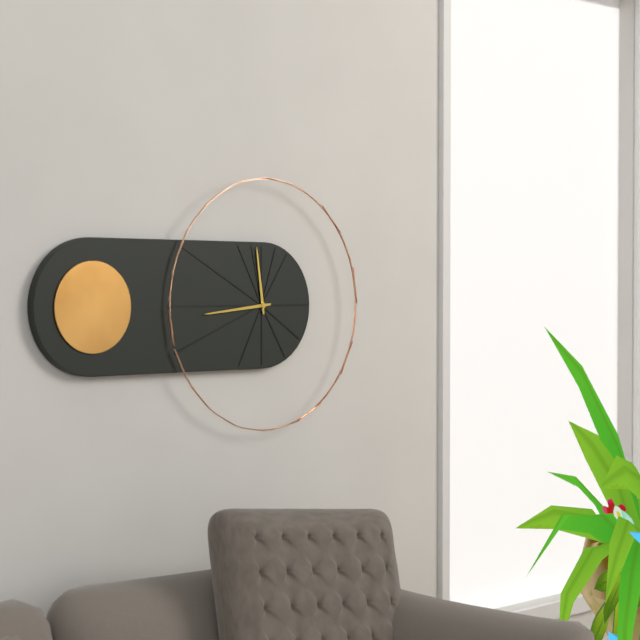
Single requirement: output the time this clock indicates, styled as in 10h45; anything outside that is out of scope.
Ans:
11h44
